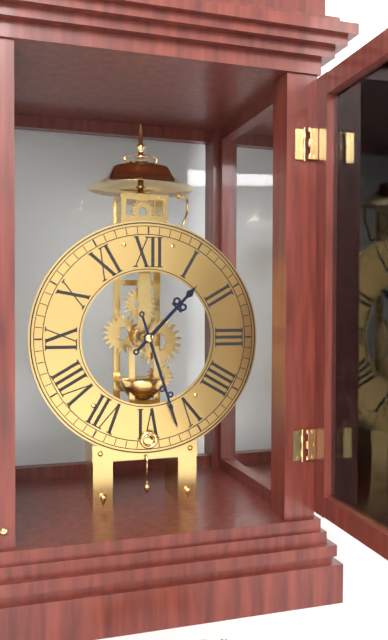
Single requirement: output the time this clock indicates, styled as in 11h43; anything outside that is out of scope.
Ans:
1h27
